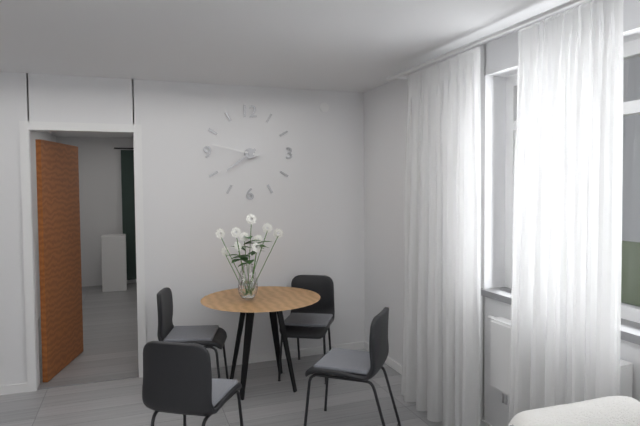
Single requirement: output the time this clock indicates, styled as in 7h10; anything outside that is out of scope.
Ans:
7h47
